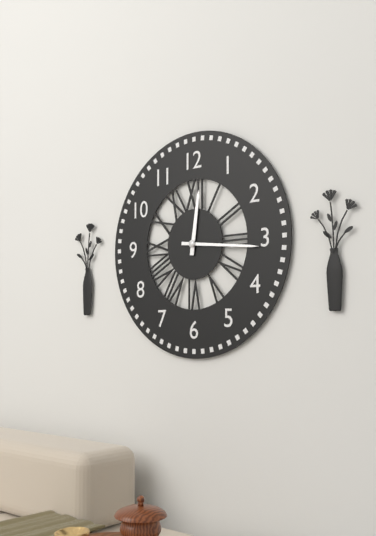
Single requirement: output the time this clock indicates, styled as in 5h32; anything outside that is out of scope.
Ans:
12h16
